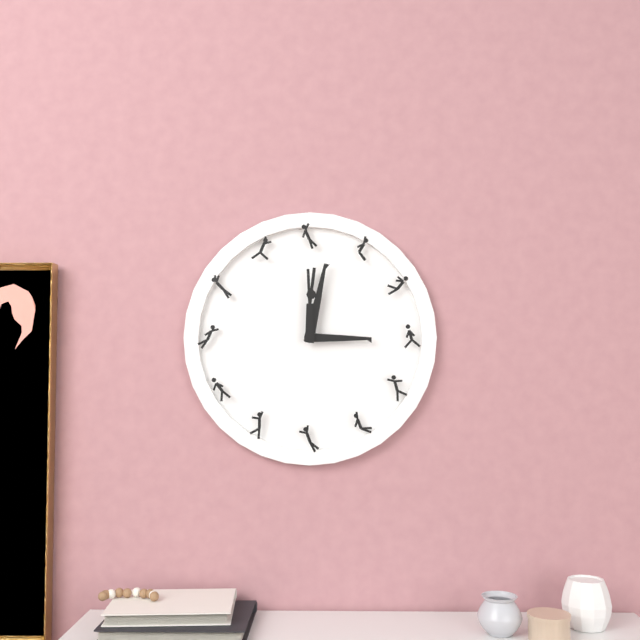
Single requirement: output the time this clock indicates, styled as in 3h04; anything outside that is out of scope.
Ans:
3h02
